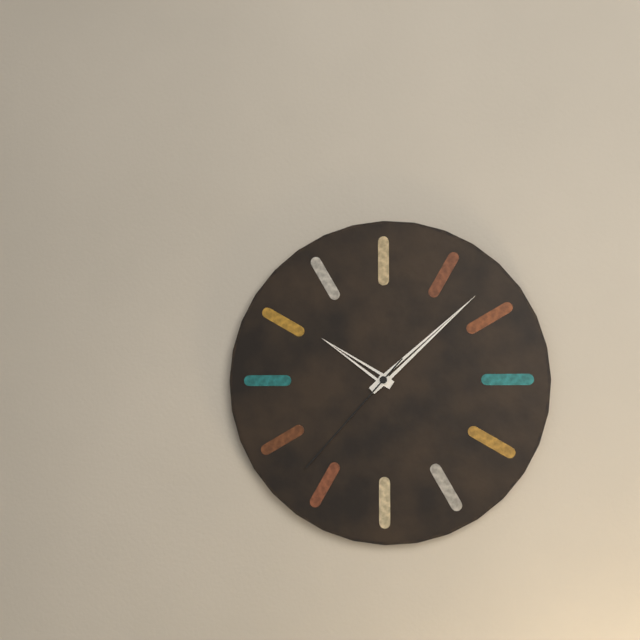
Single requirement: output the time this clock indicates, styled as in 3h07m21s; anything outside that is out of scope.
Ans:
10h08m37s
